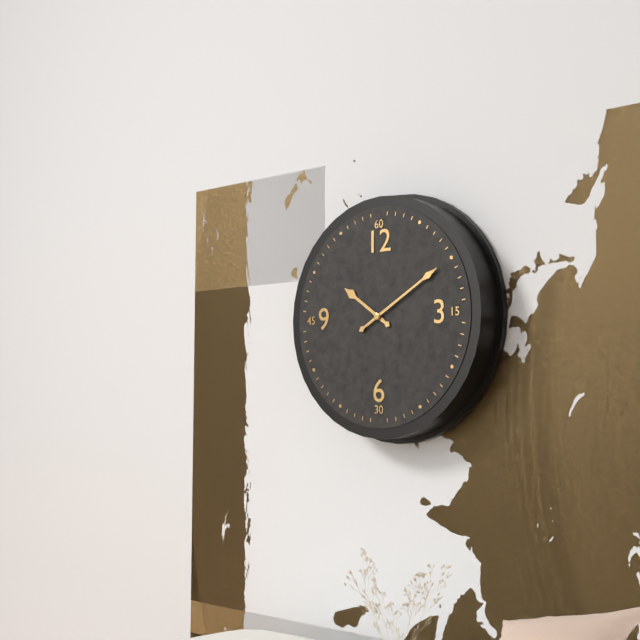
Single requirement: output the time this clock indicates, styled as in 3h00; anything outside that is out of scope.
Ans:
10h10
